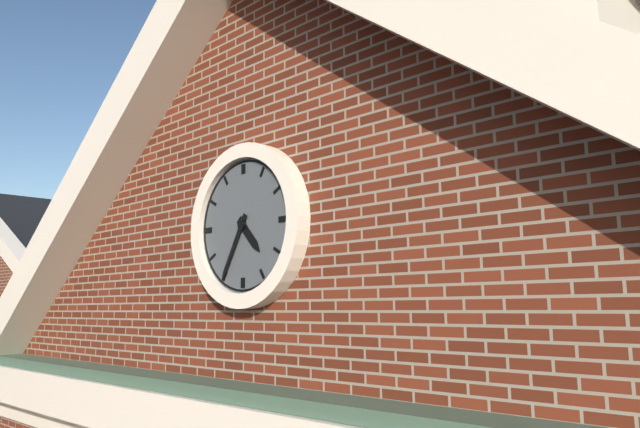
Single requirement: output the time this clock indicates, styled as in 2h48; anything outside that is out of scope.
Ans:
4h35
